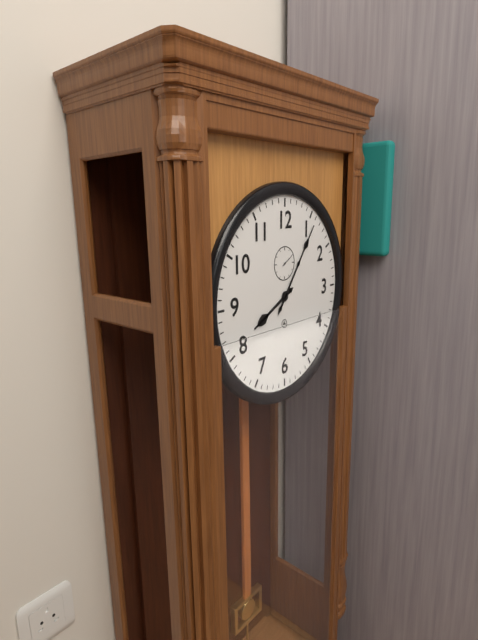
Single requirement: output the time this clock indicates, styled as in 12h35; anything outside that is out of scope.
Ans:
8h06
